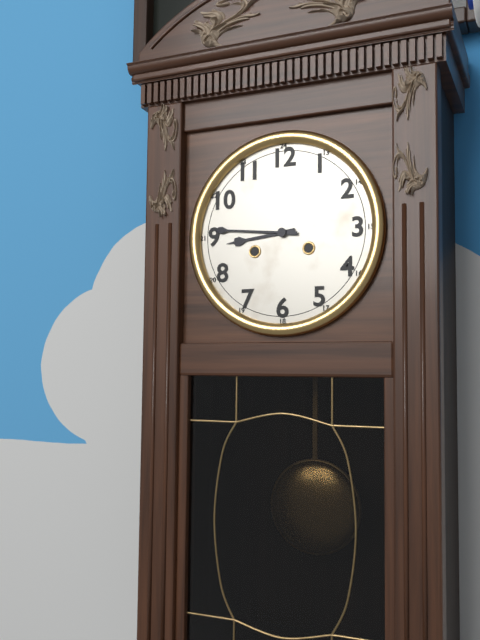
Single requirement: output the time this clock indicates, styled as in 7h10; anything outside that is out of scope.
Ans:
8h46
